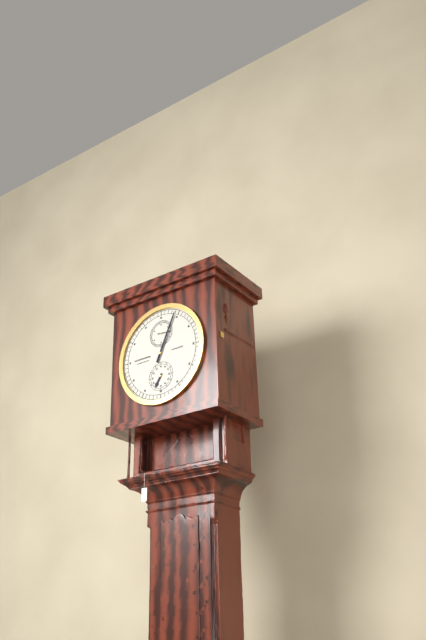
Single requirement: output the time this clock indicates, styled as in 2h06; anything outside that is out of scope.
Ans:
7h04
